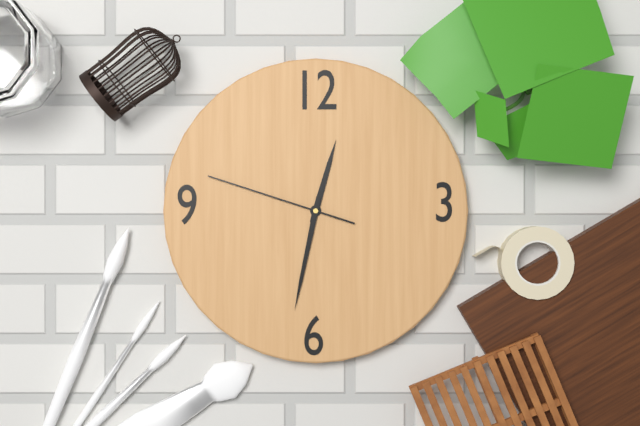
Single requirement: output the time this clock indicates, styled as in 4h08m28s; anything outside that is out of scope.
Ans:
12h32m48s
